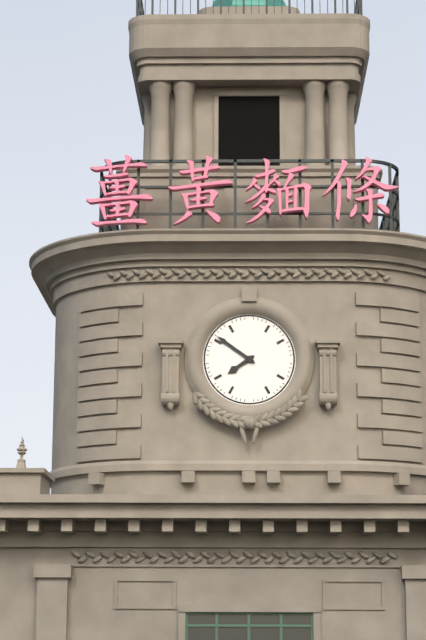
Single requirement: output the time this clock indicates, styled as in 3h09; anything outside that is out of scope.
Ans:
7h51
